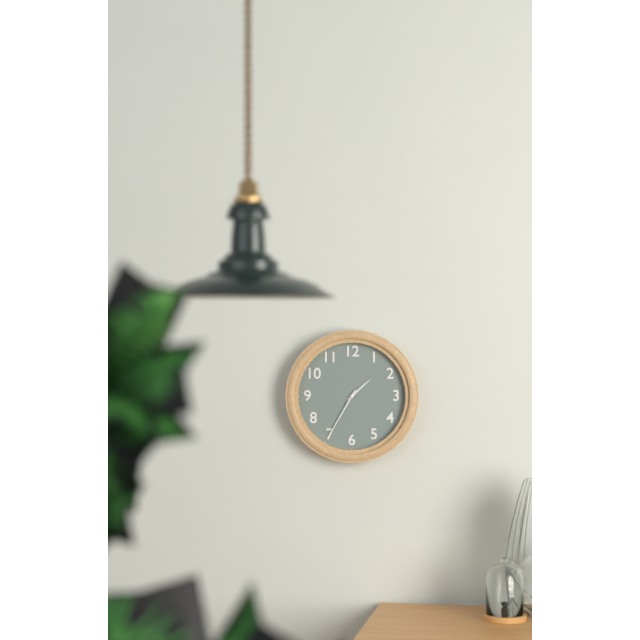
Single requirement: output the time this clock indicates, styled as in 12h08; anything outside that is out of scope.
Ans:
1h35
